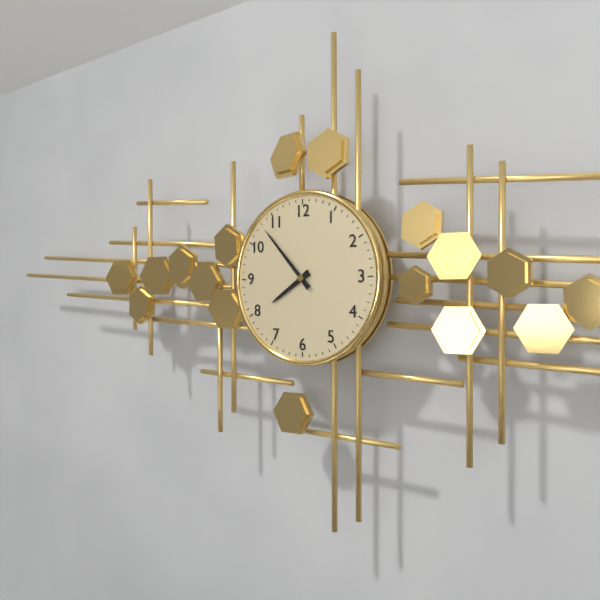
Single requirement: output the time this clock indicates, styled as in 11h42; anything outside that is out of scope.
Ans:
7h53
